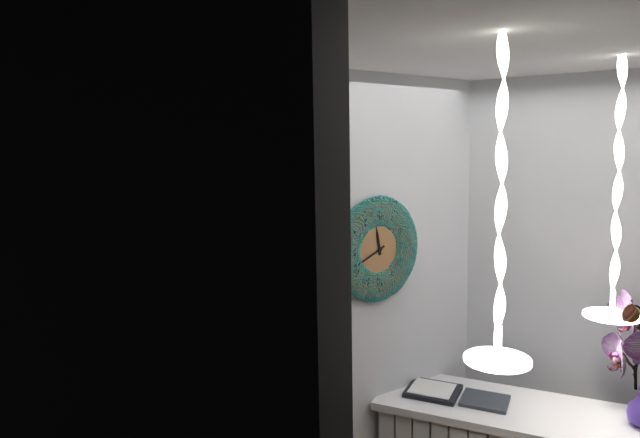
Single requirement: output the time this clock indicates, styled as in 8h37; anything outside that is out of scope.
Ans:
11h41
